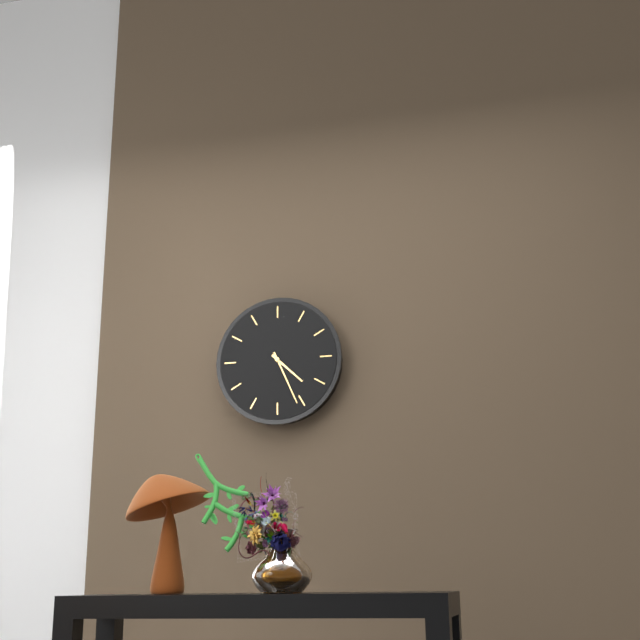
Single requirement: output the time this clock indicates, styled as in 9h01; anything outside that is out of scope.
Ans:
4h26
